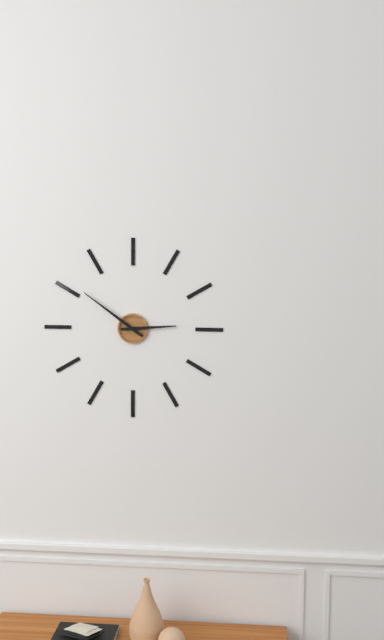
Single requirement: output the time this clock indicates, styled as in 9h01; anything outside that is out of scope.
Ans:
2h51
